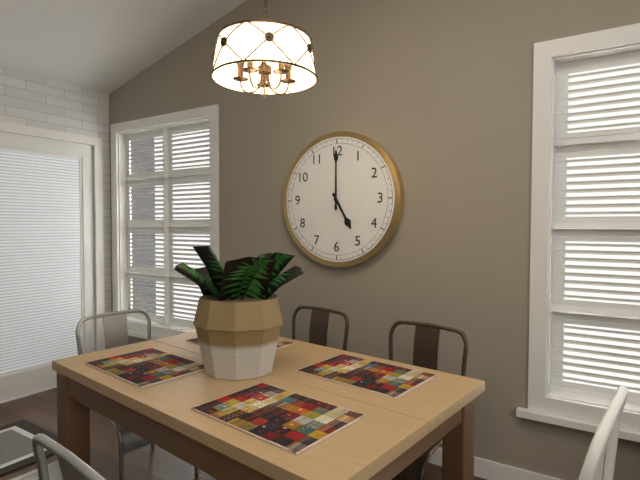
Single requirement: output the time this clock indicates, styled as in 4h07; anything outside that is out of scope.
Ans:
5h00
